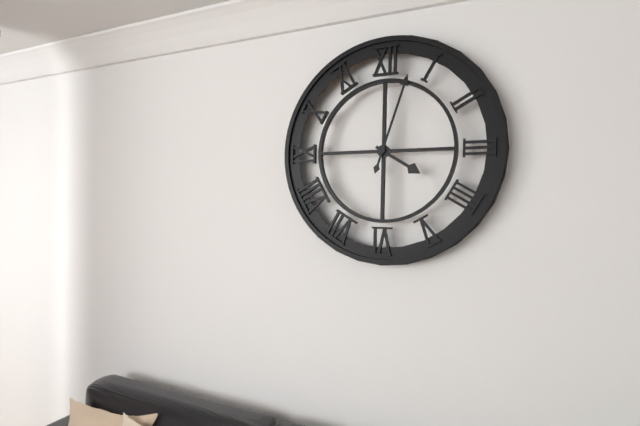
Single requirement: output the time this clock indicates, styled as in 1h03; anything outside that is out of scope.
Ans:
4h03
